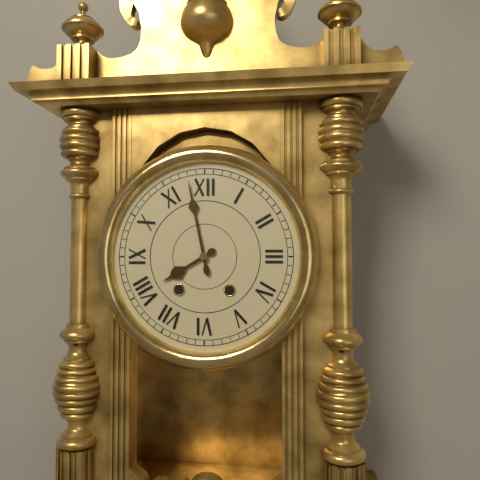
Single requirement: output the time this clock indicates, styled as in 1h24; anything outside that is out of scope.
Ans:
7h58
